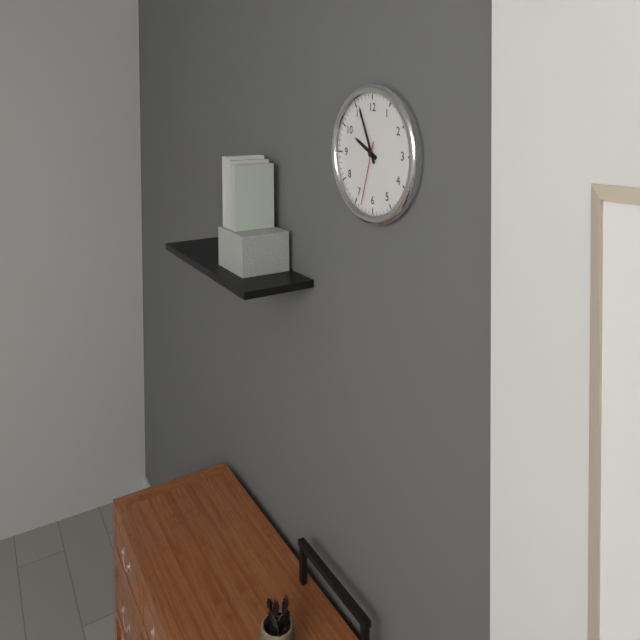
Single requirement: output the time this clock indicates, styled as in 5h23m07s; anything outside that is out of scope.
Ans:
9h56m33s
